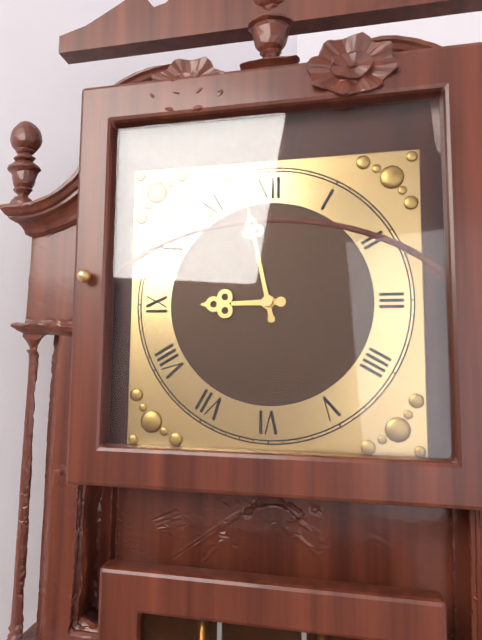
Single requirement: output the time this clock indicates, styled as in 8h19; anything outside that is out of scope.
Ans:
8h58
